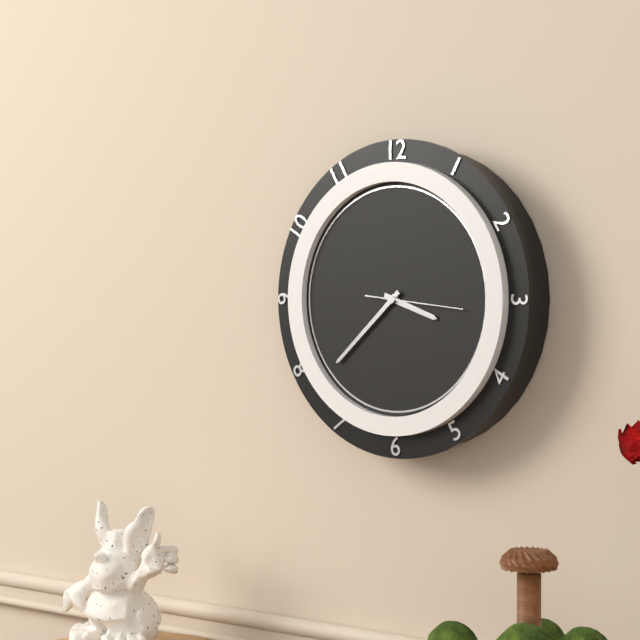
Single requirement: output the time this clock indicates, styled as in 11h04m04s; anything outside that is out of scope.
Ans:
3h38m16s
